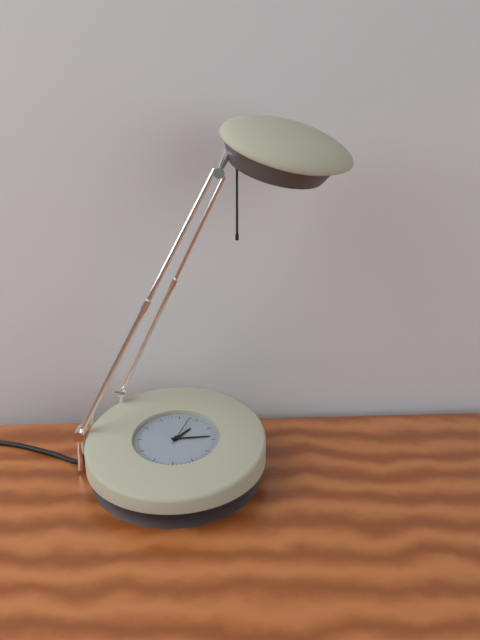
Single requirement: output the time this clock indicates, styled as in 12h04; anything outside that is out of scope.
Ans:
1h14
